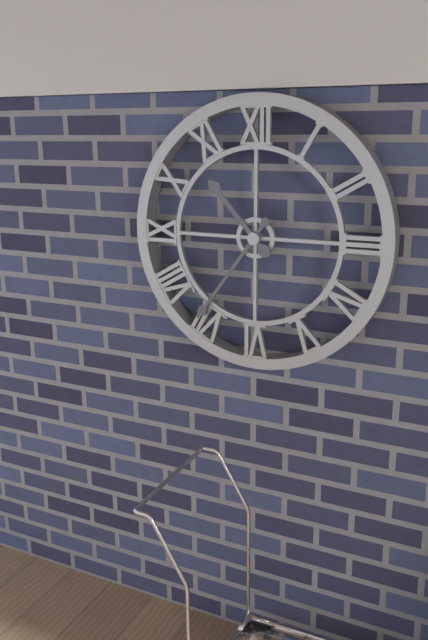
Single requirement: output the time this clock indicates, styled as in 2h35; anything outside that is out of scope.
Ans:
10h36
